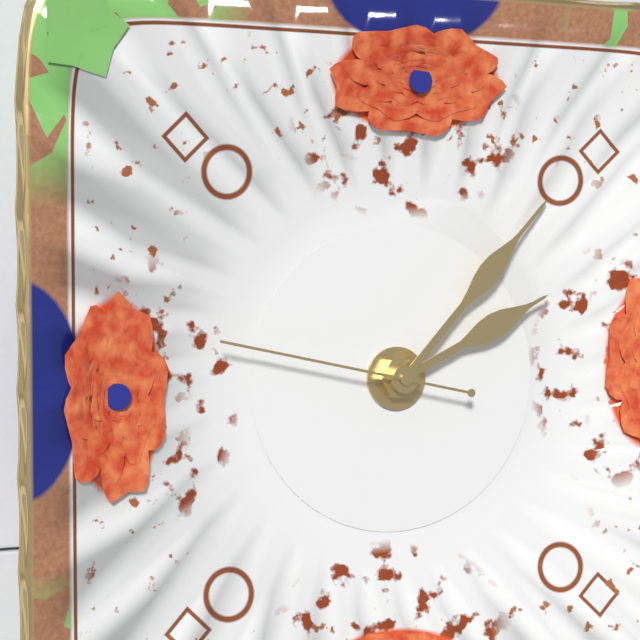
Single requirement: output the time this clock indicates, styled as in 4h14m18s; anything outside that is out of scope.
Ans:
2h07m47s
